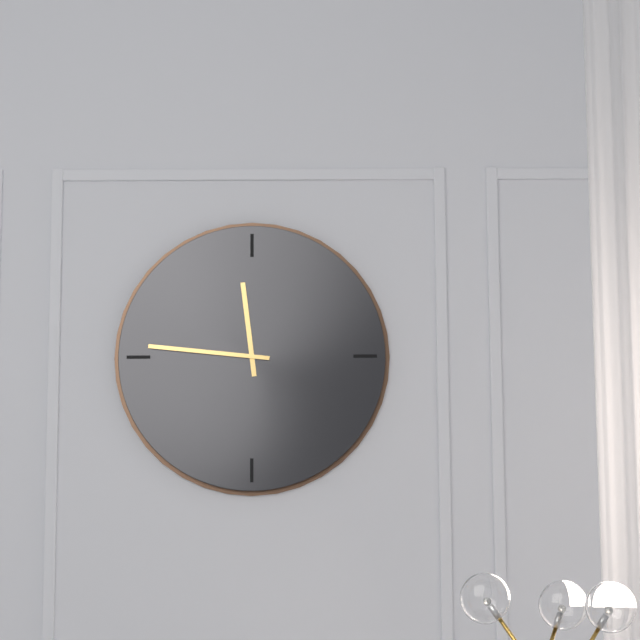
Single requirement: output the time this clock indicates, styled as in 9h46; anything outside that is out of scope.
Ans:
11h46
